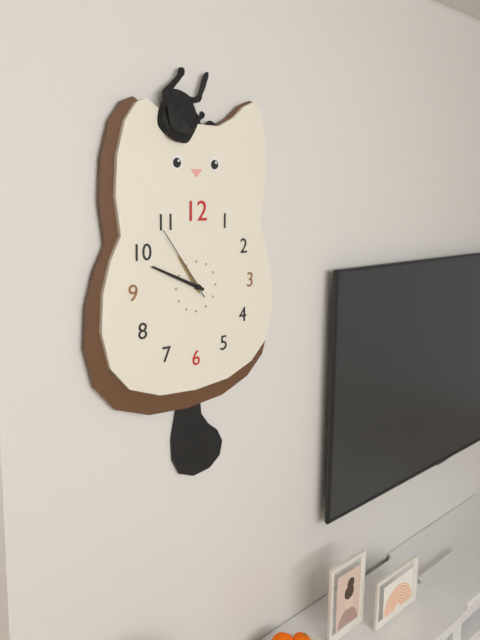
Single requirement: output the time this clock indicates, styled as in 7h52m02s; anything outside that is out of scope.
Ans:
10h49m54s
